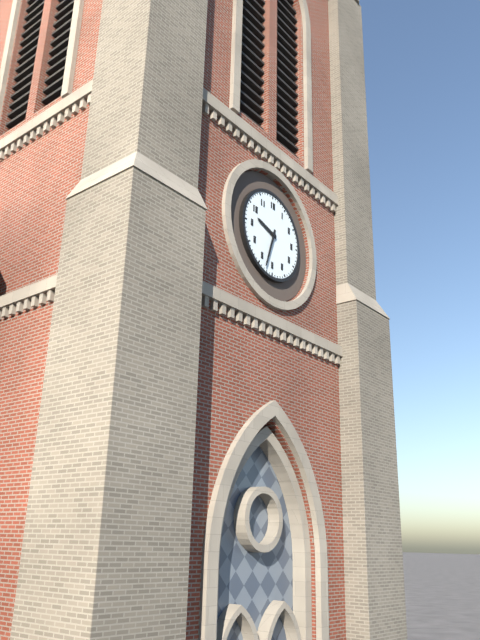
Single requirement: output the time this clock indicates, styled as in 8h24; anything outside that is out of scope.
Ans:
9h33
